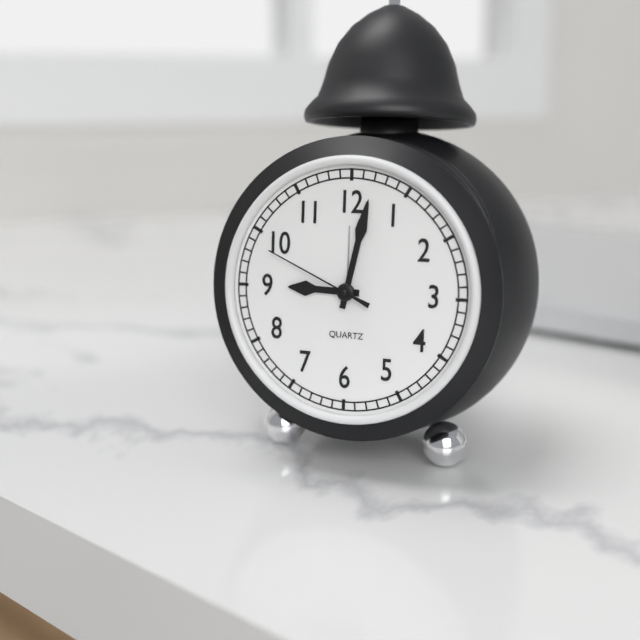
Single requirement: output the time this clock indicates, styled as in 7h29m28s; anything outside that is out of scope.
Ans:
9h02m49s
